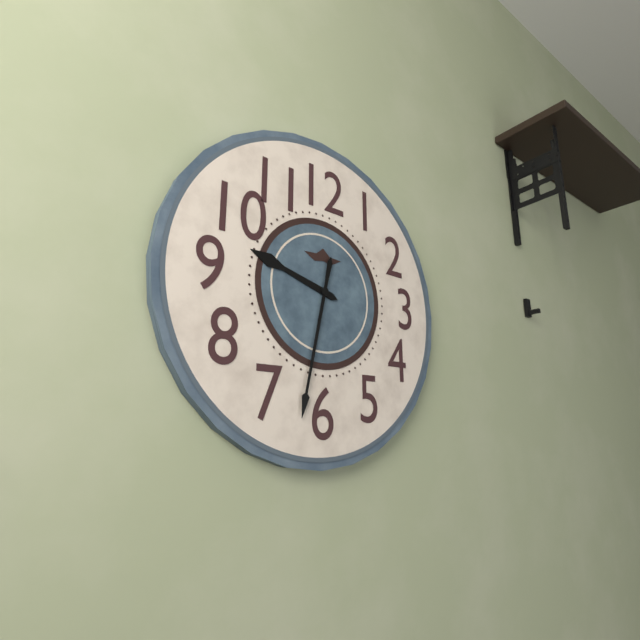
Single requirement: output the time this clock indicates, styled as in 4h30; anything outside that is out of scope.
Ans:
9h32
